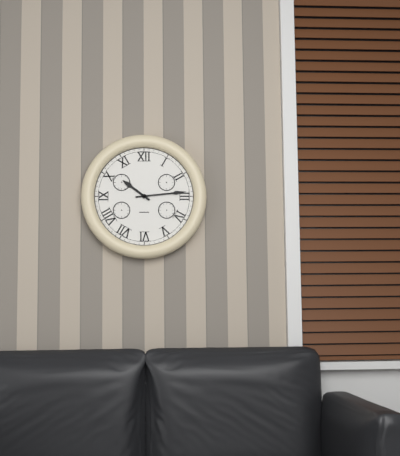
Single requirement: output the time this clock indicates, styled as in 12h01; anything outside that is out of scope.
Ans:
10h14
